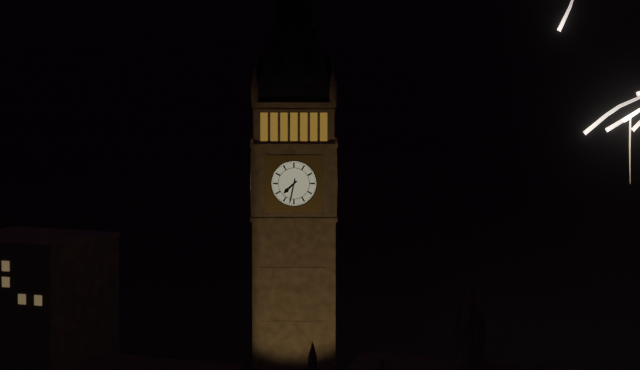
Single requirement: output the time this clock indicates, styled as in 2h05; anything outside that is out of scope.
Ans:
7h32
